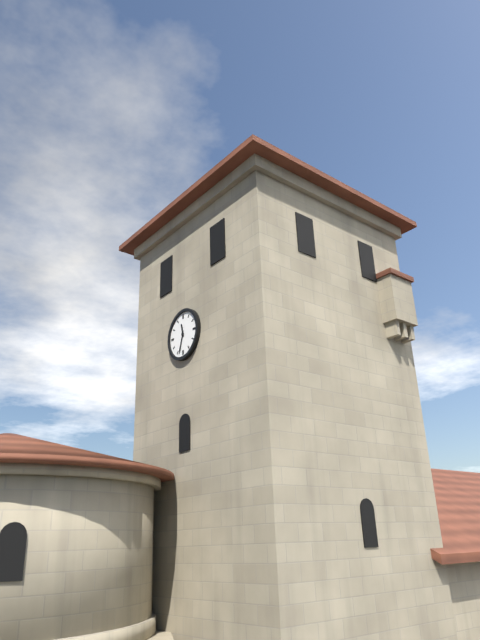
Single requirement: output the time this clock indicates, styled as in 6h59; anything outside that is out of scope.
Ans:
11h33
